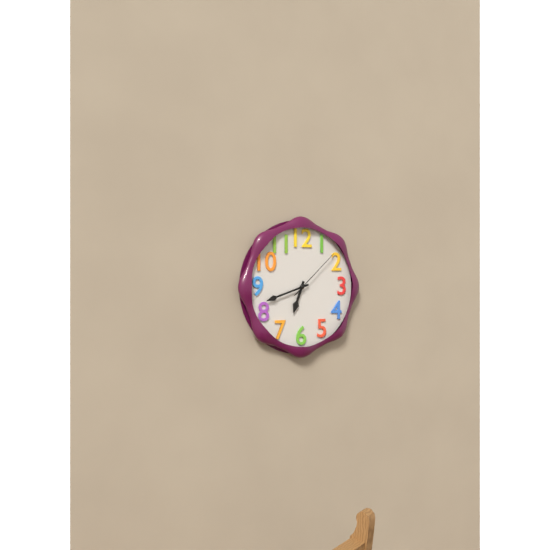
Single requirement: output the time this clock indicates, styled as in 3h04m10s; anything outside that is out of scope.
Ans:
6h42m08s
